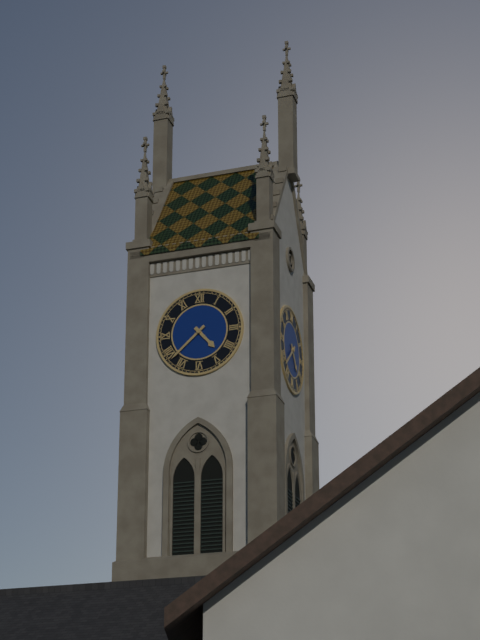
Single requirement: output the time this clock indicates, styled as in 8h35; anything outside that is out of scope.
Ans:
4h38
